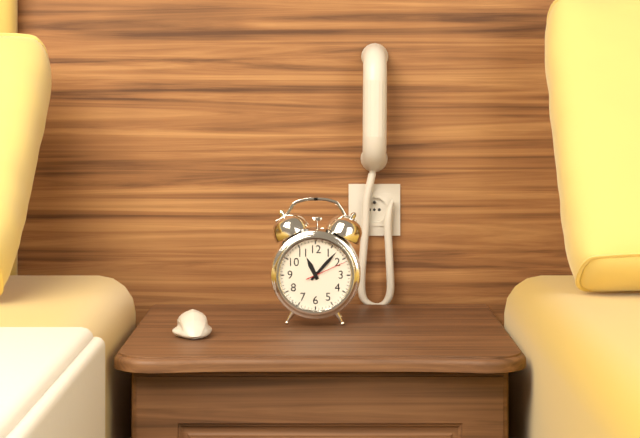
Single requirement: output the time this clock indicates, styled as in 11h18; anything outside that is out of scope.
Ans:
11h07
